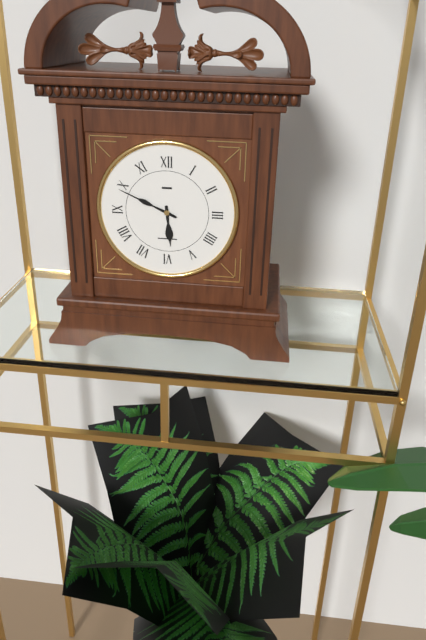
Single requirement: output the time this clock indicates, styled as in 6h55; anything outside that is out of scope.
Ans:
5h49
